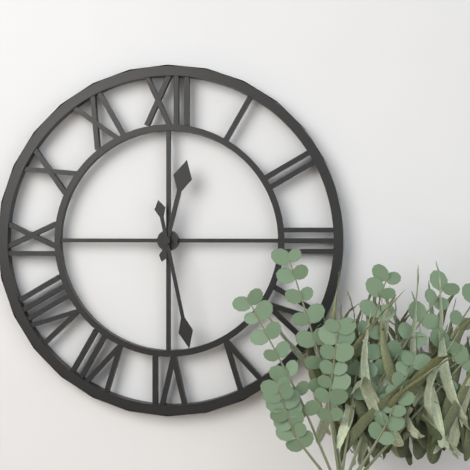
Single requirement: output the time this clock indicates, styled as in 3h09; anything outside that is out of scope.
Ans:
12h28
